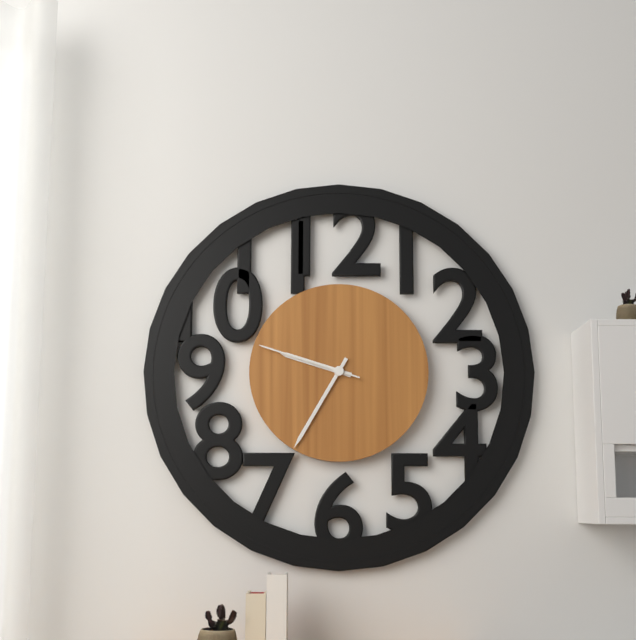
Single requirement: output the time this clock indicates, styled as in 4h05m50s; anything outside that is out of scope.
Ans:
9h35m48s
